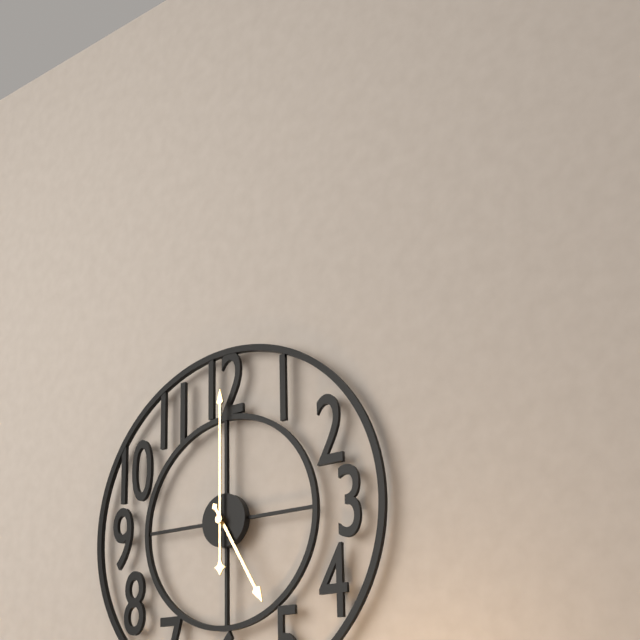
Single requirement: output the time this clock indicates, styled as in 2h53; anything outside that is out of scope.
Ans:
5h00
